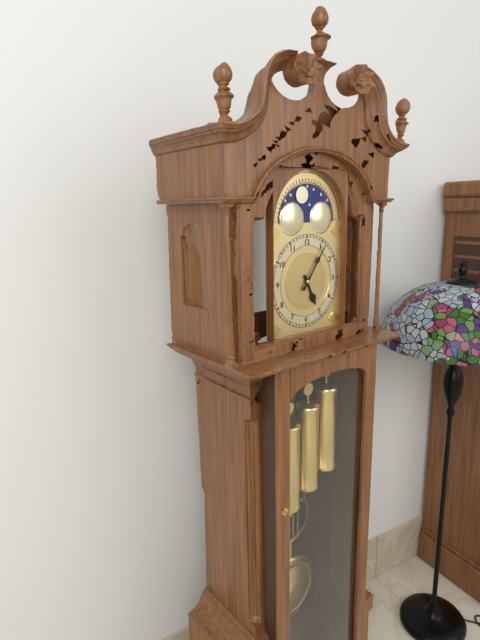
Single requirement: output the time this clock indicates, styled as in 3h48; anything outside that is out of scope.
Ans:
5h06
